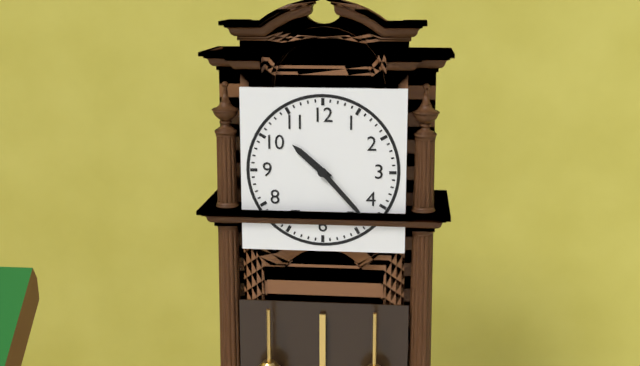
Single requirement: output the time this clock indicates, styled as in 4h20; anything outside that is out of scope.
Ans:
10h23
